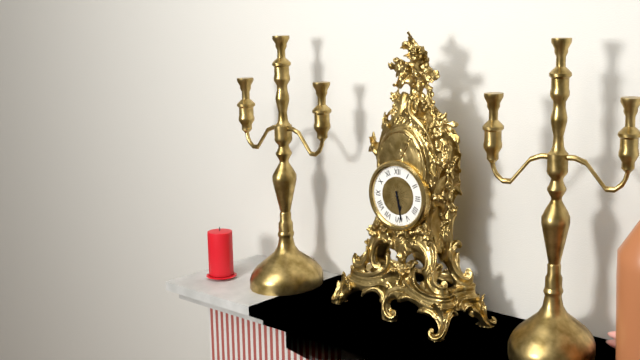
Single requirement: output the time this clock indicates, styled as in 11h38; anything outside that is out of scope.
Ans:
5h28
